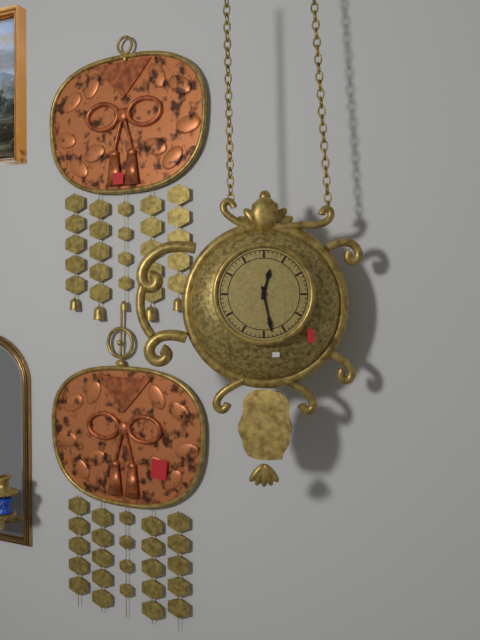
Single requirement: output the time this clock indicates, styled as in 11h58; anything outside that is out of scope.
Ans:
12h28
